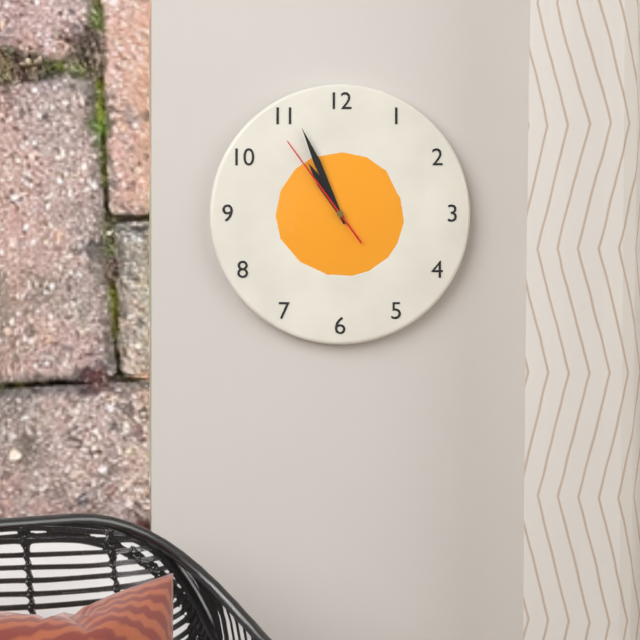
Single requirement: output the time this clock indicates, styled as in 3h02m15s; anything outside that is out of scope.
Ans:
10h56m54s
